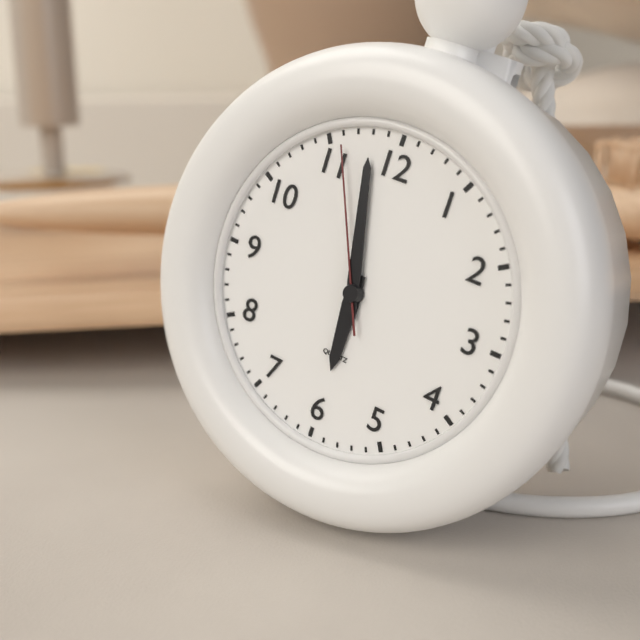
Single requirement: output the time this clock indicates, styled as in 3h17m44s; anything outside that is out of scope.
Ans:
5h58m56s
